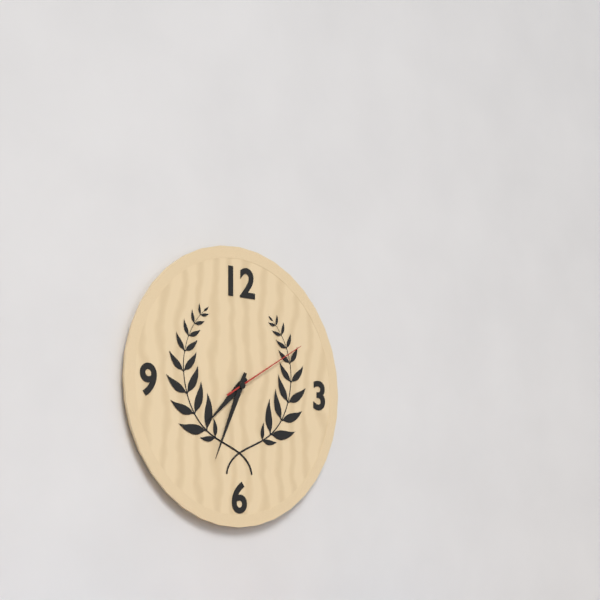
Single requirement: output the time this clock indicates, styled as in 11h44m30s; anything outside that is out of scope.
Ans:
7h34m10s
